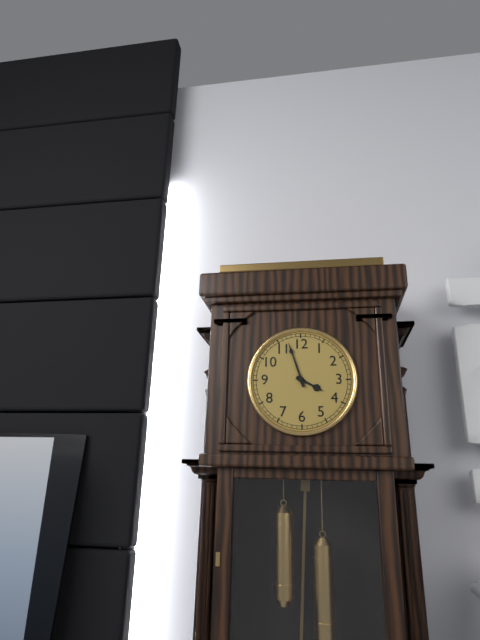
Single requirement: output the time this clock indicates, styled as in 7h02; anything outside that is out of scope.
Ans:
3h57
